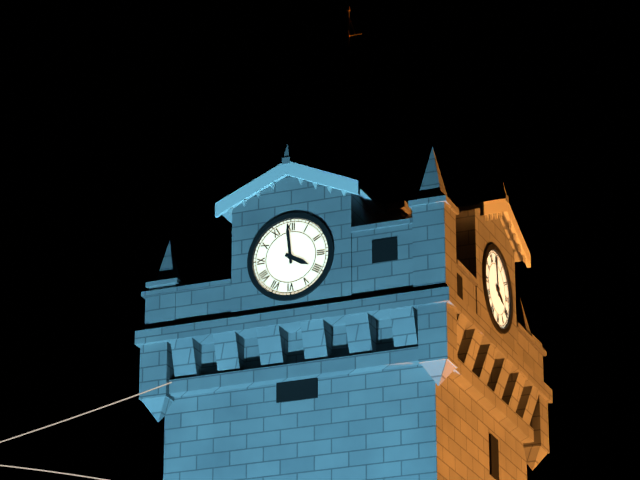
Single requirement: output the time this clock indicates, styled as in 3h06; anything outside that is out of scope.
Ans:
3h59
